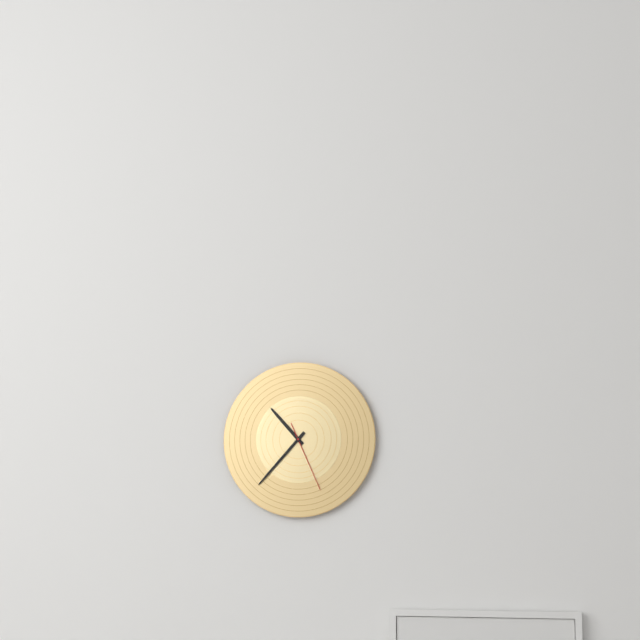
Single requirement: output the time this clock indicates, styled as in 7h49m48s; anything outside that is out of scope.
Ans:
10h37m26s
